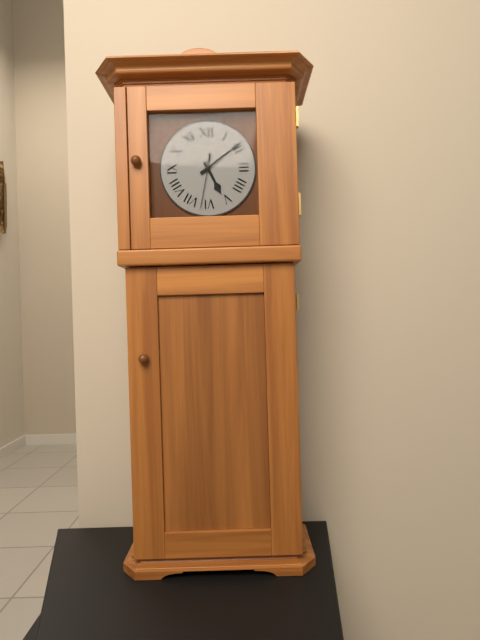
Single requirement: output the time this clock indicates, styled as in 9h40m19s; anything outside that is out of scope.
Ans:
5h09m32s
